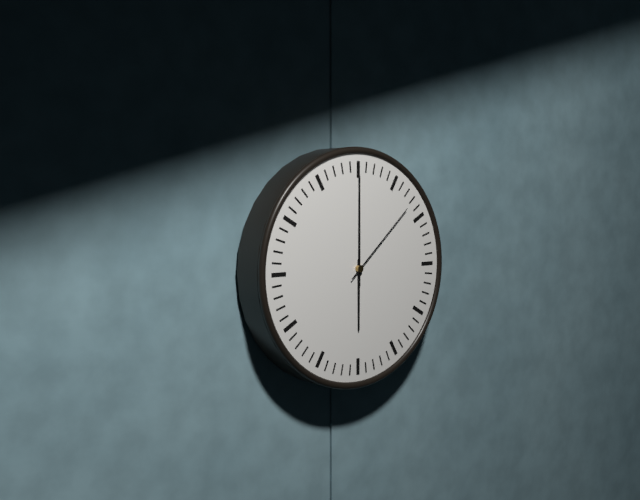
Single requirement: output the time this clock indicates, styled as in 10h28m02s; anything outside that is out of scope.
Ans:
6h00m08s
